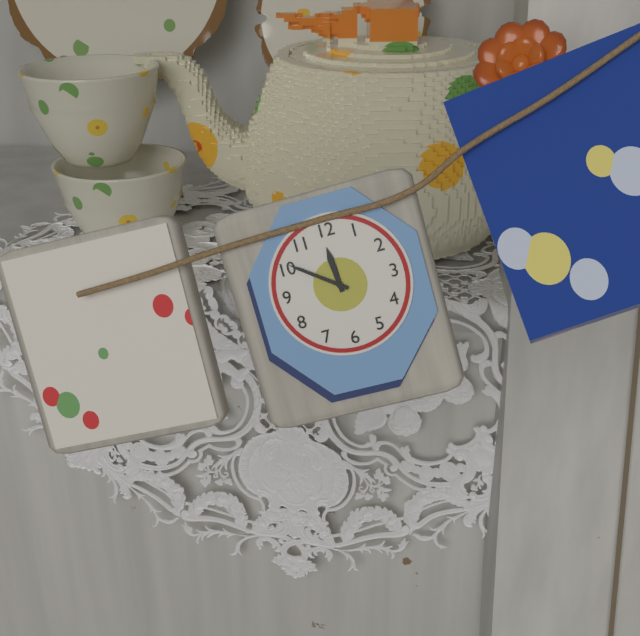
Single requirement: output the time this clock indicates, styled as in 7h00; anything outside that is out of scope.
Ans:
11h51
